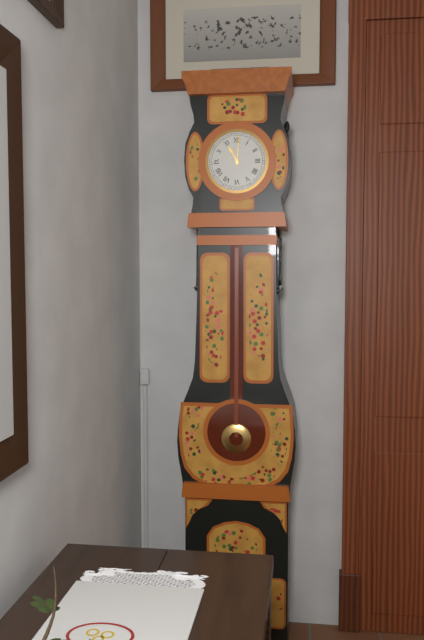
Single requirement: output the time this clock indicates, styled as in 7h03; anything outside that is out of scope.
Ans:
11h01
